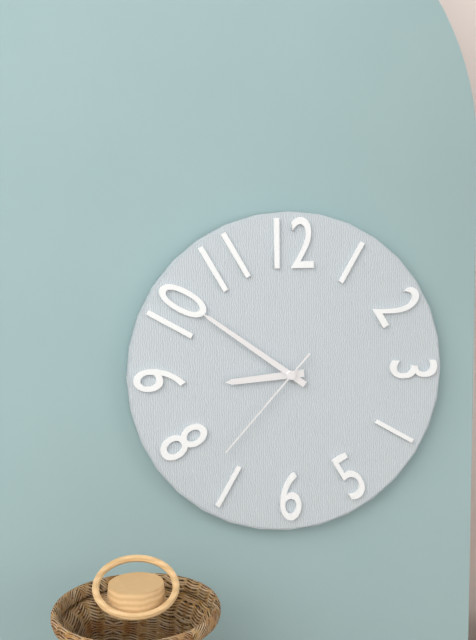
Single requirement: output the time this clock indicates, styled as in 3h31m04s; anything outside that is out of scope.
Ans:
8h51m37s
